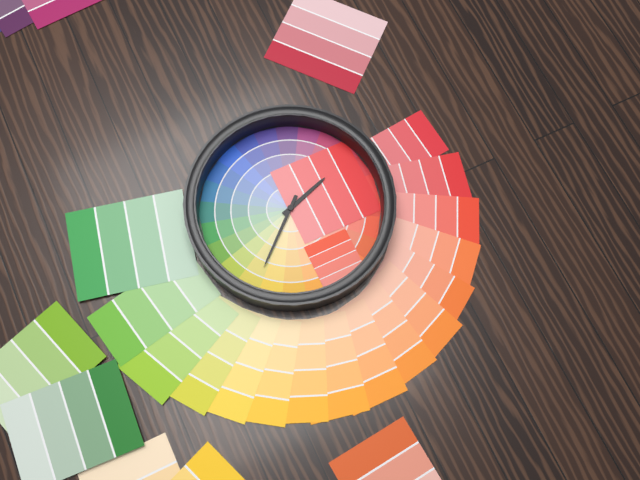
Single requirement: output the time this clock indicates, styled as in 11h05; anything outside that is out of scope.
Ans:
11h23
